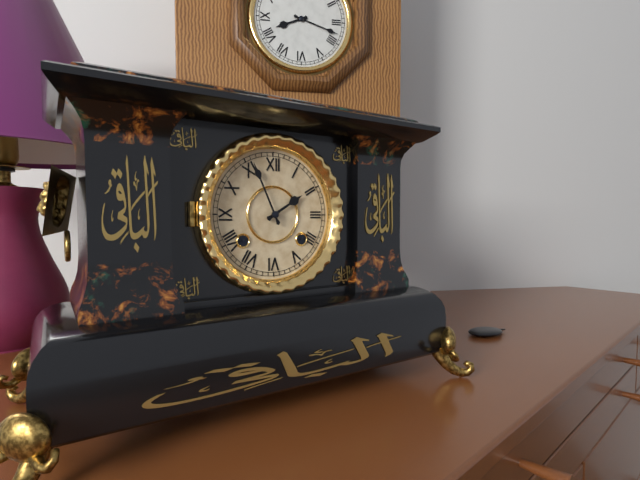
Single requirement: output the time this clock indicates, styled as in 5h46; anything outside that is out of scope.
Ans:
1h56
